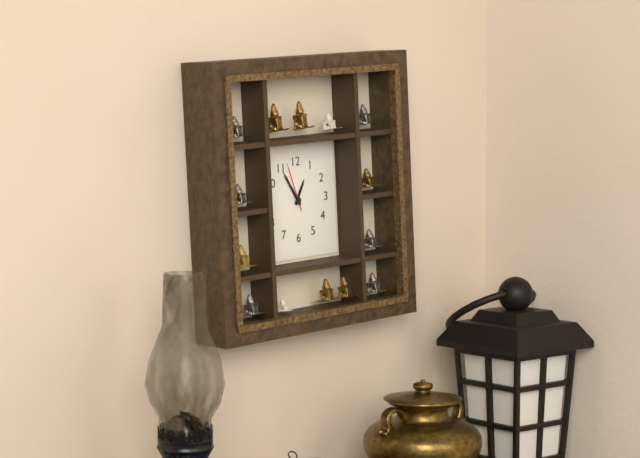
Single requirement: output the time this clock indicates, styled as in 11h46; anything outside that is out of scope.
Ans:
12h55
